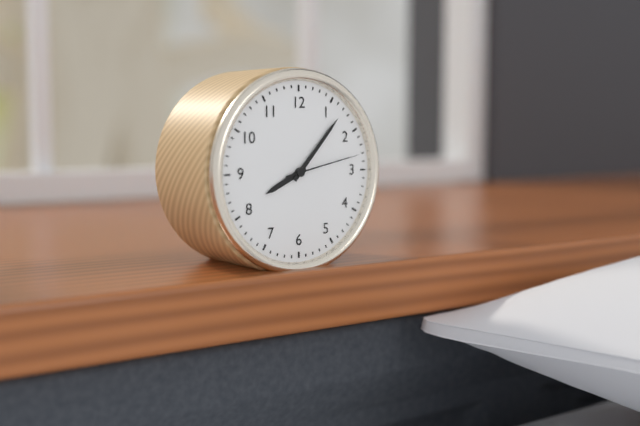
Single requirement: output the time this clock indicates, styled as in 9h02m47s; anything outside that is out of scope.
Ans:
8h07m13s
